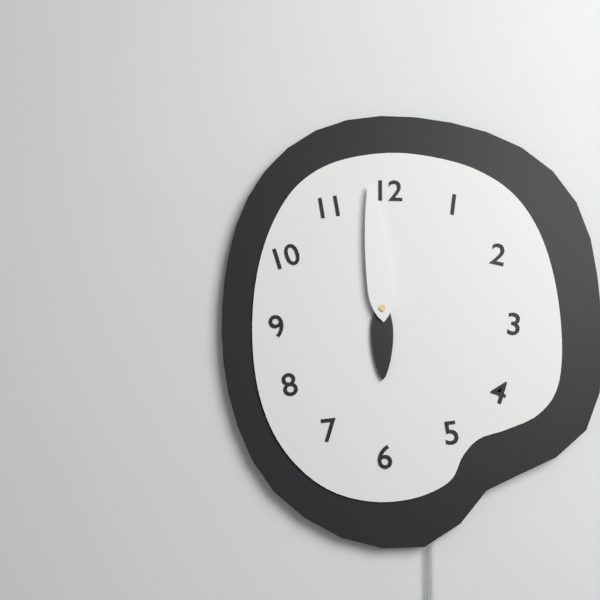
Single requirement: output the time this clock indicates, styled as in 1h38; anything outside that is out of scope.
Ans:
5h59
